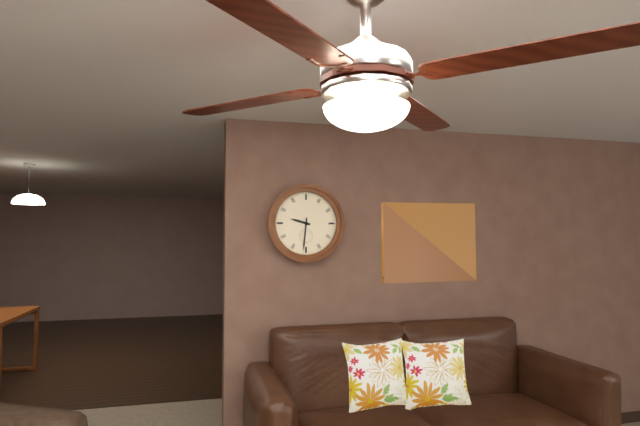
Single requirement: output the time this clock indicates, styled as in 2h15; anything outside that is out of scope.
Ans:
9h31
